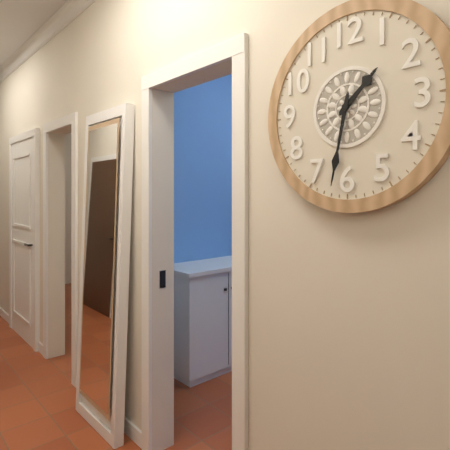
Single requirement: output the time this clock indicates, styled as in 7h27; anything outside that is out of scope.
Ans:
1h32
